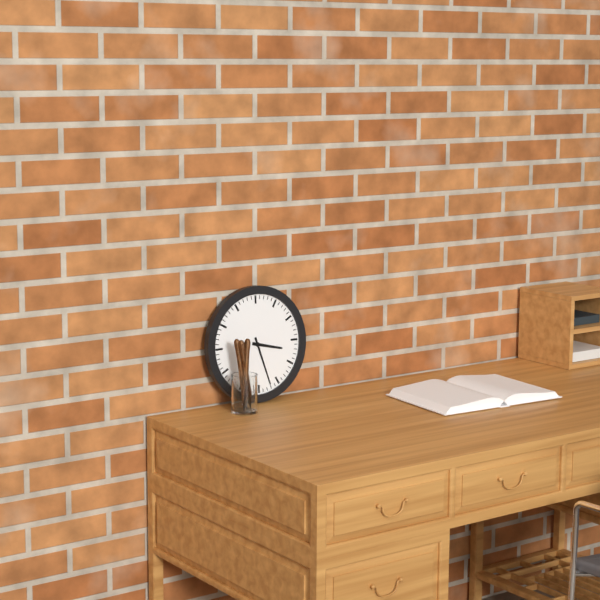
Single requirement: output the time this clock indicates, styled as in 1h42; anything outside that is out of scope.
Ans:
3h27
